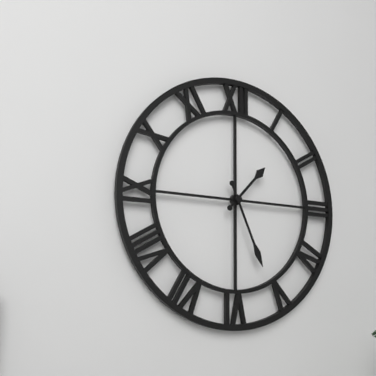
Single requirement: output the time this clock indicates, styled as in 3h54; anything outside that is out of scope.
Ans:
1h26
